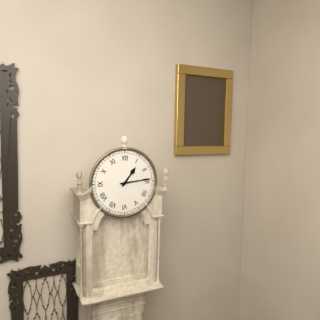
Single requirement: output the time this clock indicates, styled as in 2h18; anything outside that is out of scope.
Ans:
1h14
